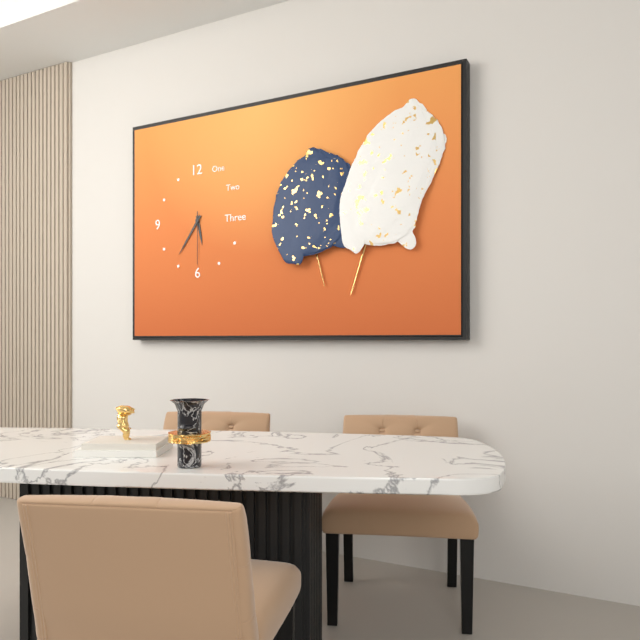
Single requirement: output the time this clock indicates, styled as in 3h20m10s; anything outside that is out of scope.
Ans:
5h36m30s
